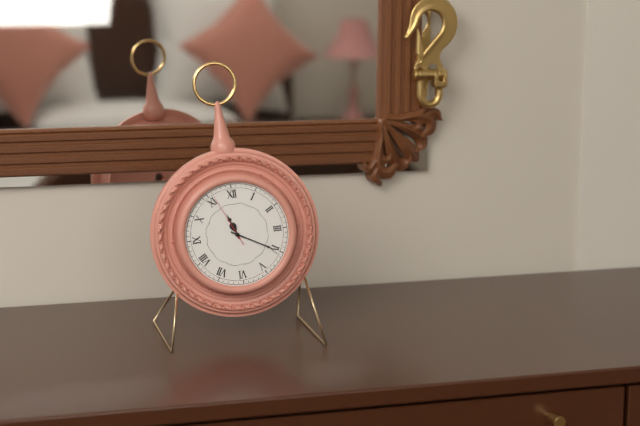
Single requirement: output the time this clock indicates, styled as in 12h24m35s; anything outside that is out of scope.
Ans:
11h20m56s
